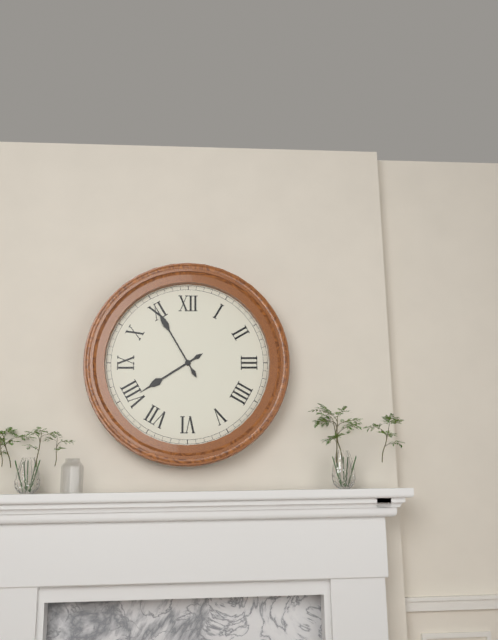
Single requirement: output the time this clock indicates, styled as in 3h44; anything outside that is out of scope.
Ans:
7h55
